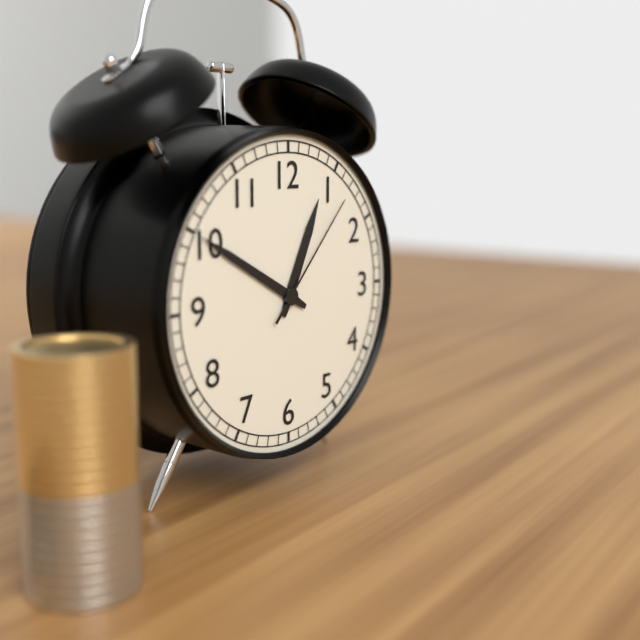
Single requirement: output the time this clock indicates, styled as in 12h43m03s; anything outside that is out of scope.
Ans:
12h50m07s
